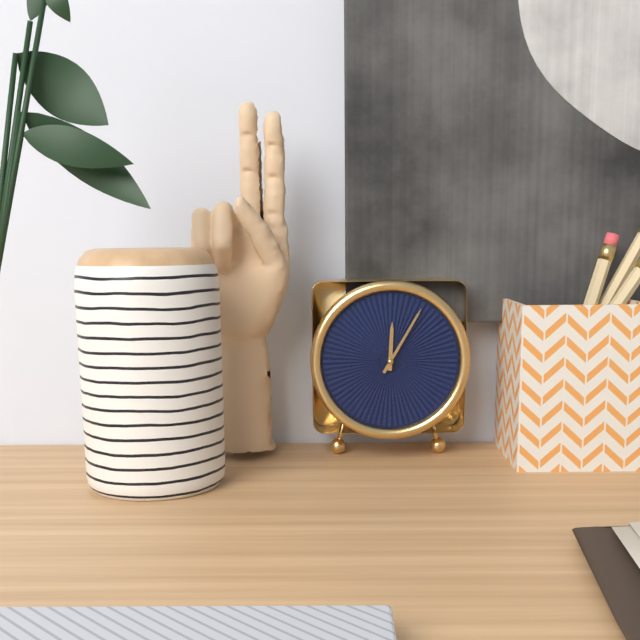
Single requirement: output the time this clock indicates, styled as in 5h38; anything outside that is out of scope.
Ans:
12h05
